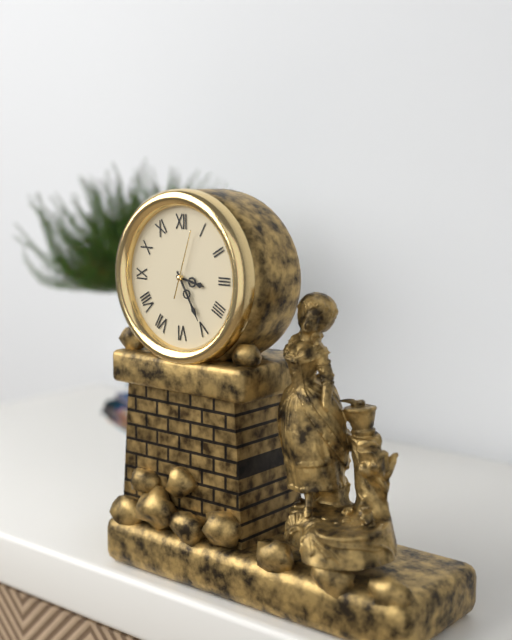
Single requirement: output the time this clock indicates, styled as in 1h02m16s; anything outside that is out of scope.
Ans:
3h25m03s
